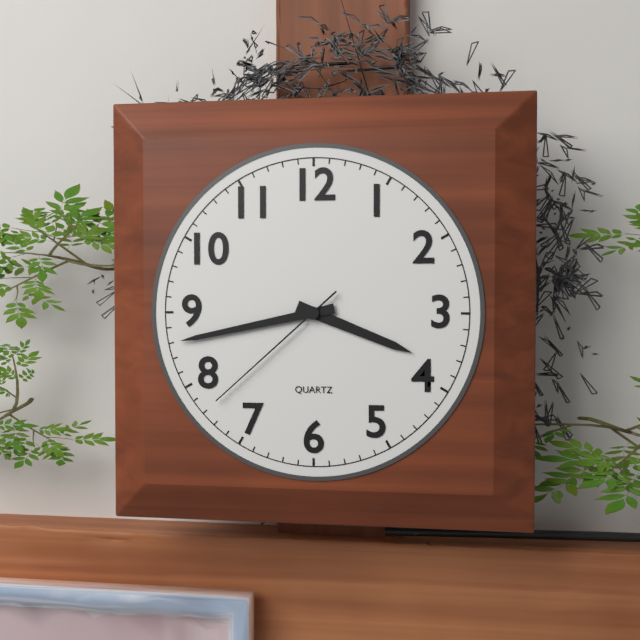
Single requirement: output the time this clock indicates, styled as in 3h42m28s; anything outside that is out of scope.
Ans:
3h43m38s
